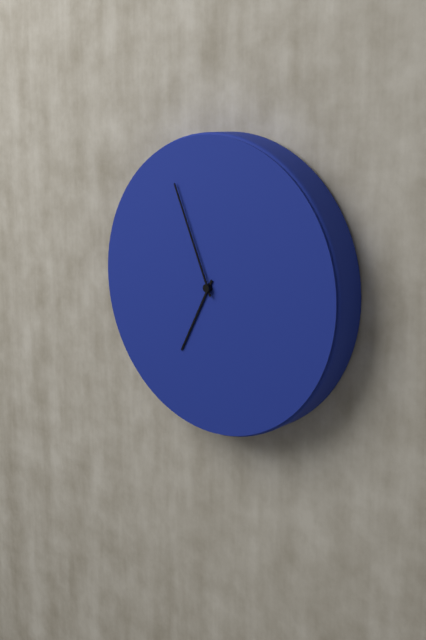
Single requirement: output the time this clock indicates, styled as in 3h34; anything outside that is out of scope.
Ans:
6h56
